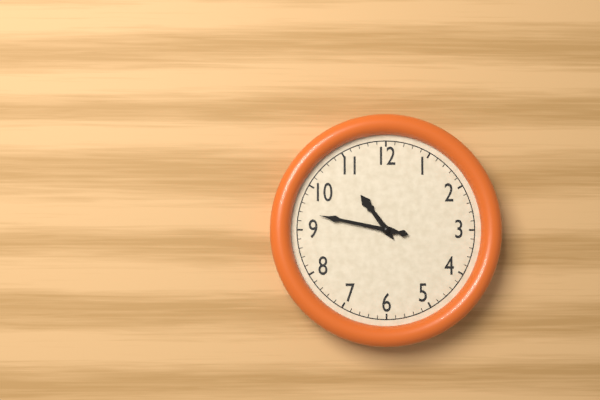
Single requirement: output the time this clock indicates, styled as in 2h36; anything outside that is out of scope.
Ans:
10h47
